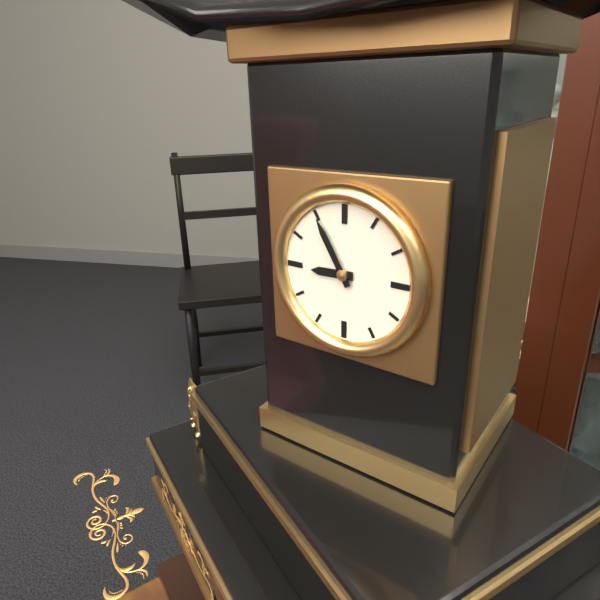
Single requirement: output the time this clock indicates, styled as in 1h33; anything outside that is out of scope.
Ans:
8h55
